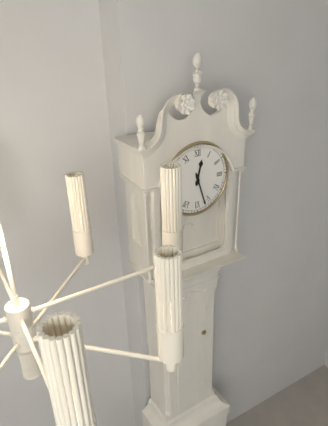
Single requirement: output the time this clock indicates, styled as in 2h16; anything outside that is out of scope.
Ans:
12h27
